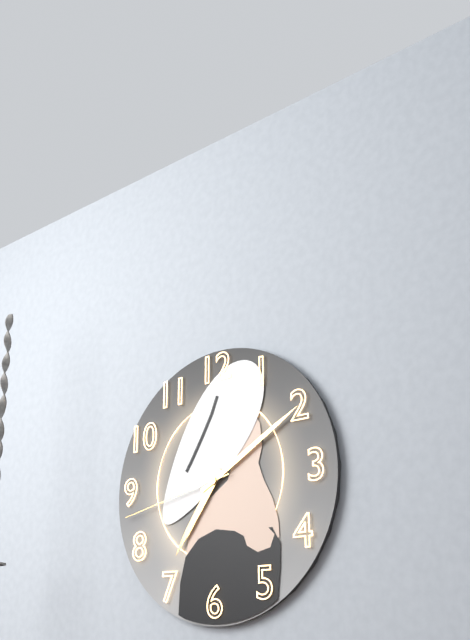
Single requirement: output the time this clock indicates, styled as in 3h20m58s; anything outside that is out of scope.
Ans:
7h10m43s
